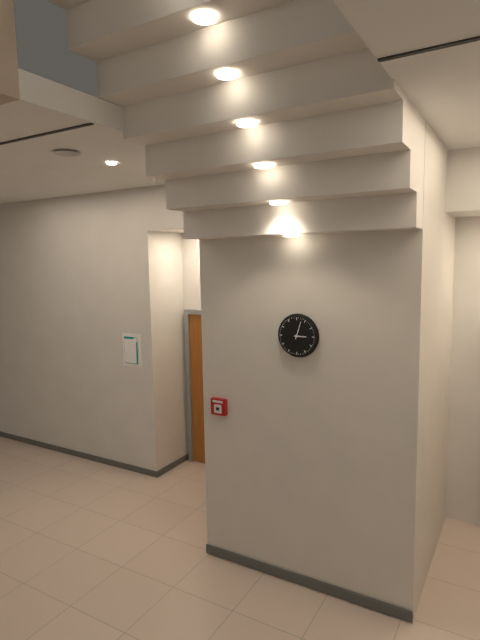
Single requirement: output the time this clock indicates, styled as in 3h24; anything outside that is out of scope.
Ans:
3h03
